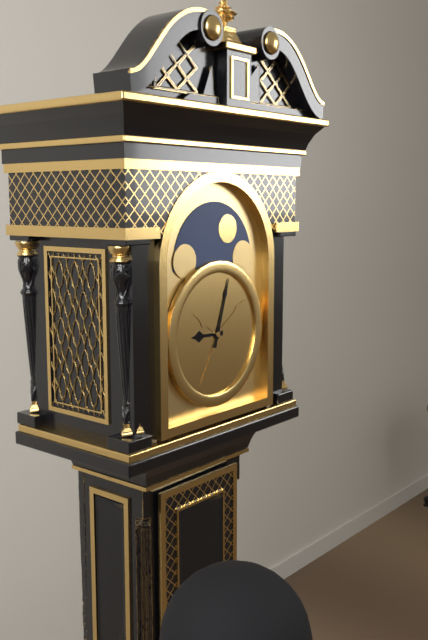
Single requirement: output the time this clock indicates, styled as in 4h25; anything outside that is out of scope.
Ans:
9h03
